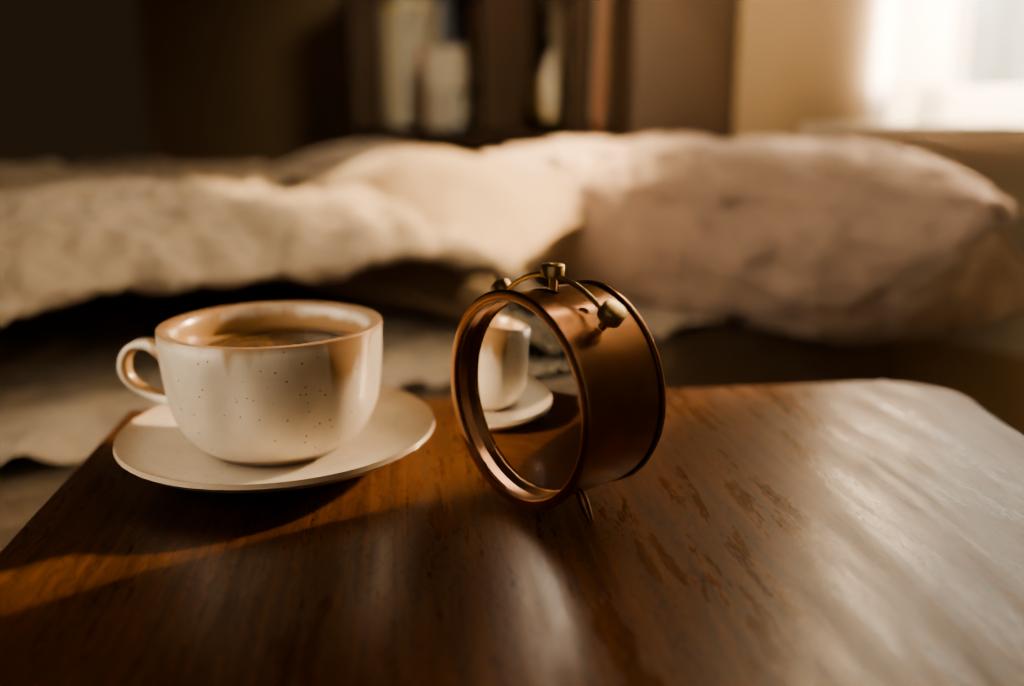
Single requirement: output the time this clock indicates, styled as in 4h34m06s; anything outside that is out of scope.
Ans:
3h24m36s
